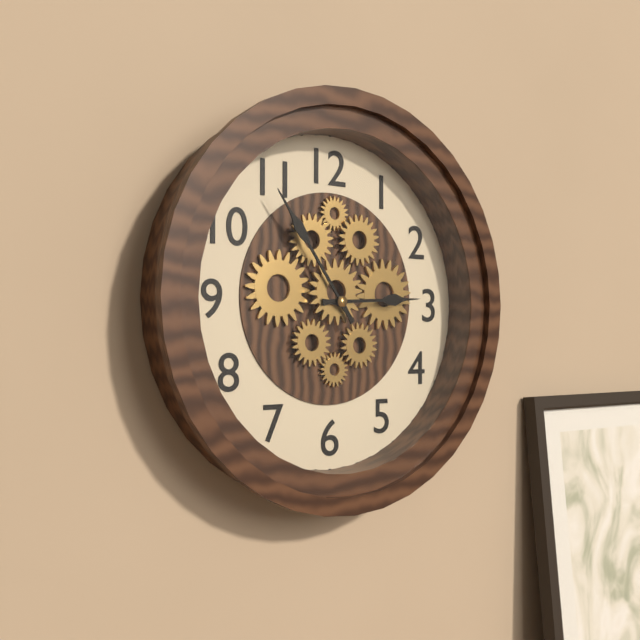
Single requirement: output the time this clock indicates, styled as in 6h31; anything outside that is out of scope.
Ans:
2h54
